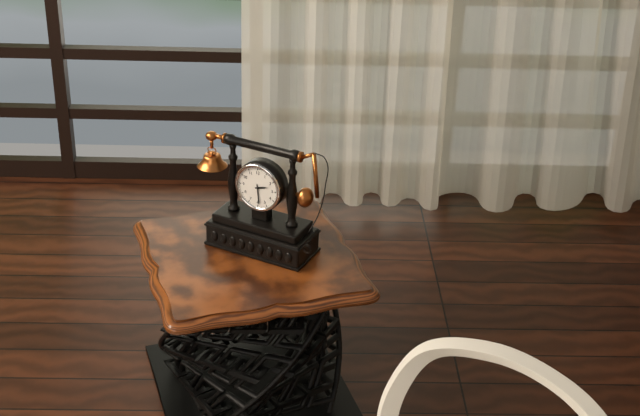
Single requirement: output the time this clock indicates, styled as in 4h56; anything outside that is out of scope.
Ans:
2h29
